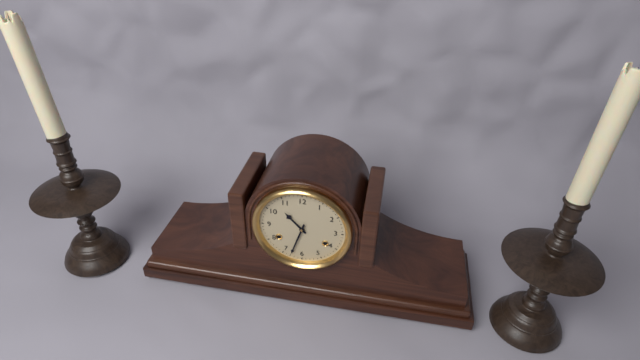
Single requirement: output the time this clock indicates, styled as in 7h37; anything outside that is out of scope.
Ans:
10h33
